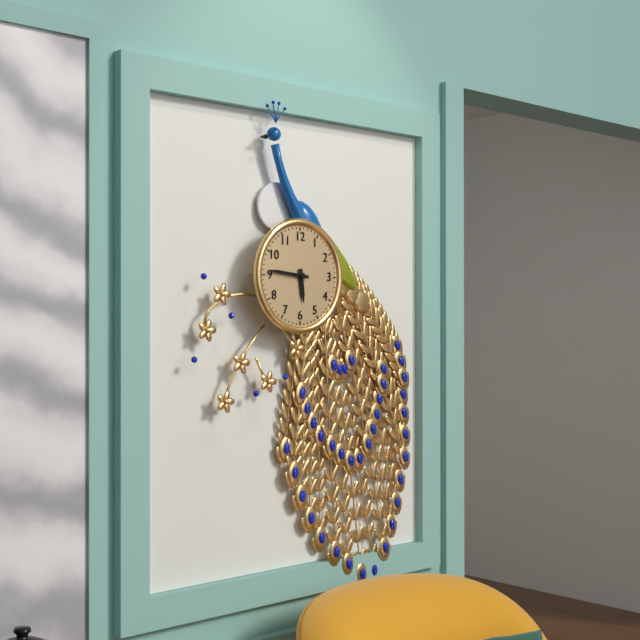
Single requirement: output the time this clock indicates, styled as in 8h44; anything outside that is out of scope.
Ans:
5h46
